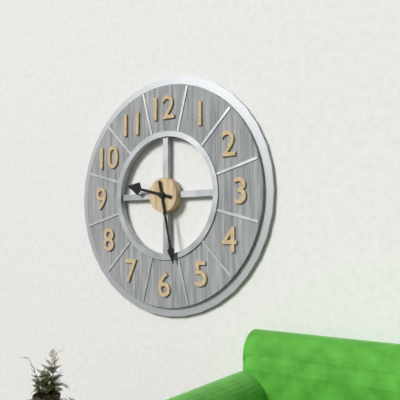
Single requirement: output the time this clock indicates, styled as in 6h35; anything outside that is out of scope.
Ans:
9h28
